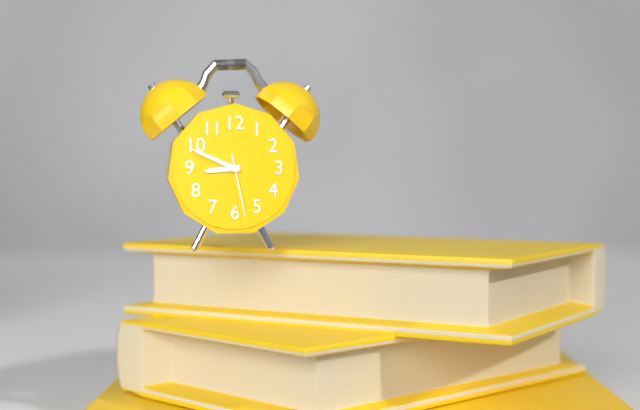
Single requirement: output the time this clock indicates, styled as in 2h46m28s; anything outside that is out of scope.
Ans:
8h49m28s
